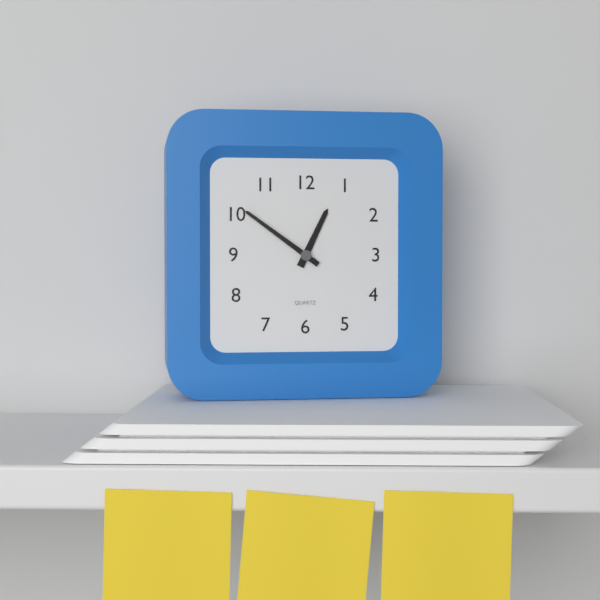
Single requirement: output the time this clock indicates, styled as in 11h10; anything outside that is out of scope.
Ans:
12h51
